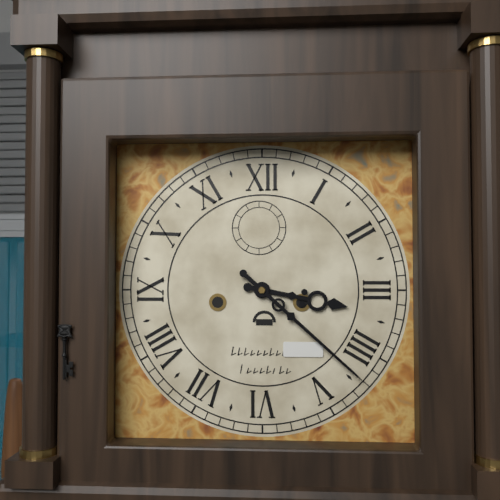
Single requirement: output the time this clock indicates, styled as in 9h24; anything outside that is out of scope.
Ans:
3h22
